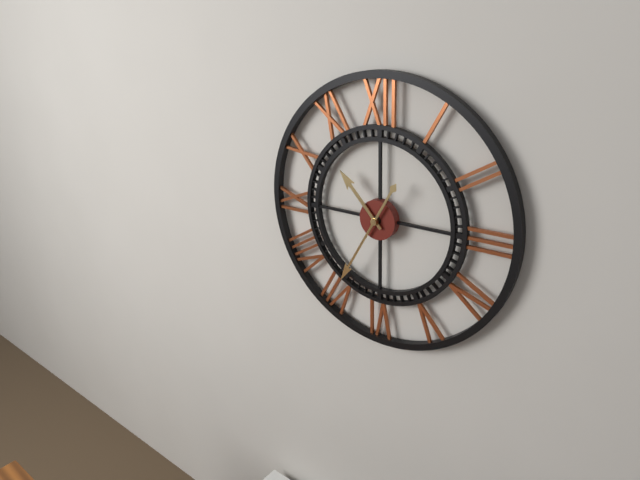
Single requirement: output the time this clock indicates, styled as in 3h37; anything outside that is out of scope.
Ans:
10h35
